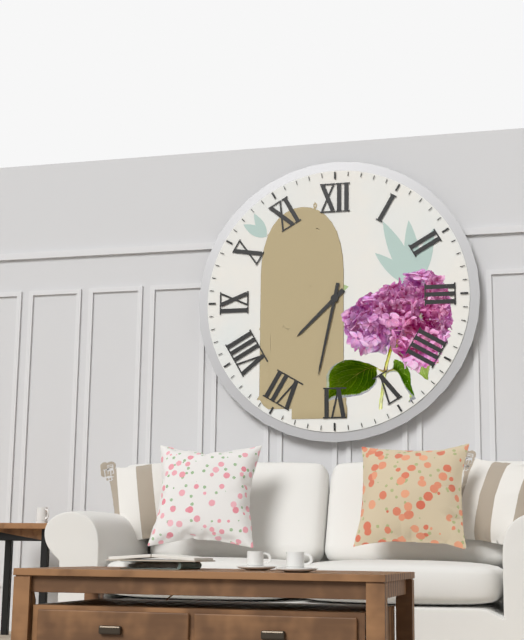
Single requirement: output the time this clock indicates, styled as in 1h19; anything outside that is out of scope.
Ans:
7h32
